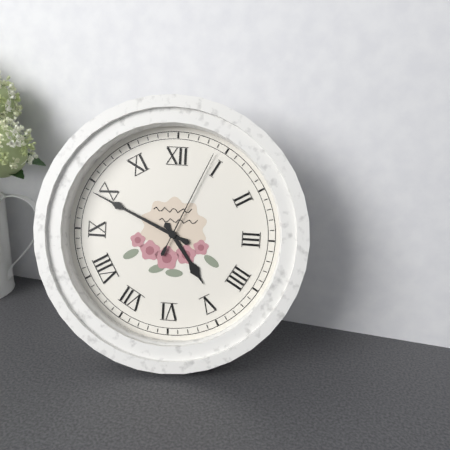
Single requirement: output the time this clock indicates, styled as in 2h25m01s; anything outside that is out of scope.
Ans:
4h49m04s
